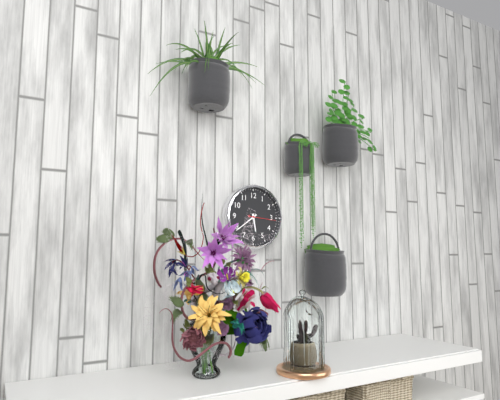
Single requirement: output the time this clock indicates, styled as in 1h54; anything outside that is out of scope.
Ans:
5h39
